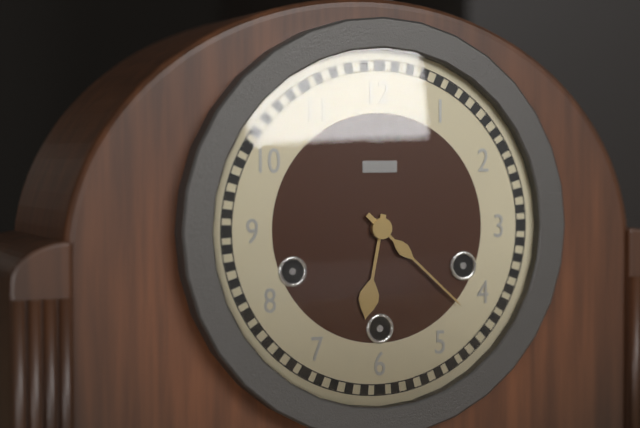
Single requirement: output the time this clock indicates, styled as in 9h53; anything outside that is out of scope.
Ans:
6h22
